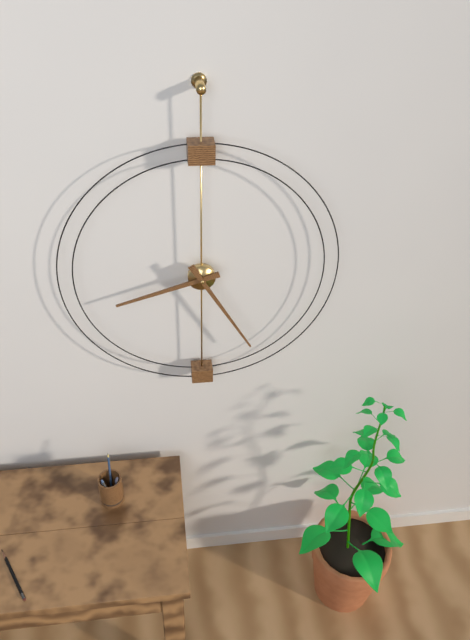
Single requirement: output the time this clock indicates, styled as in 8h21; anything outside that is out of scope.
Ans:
8h25
